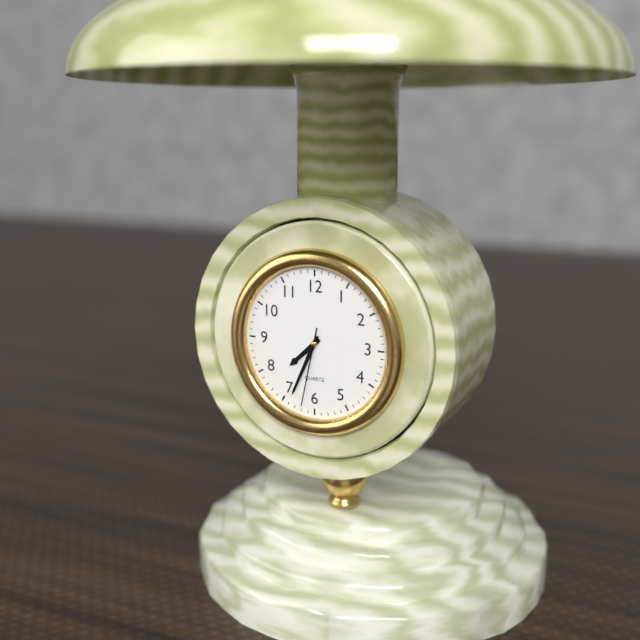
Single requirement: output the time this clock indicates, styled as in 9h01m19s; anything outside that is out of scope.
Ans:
7h34m32s
